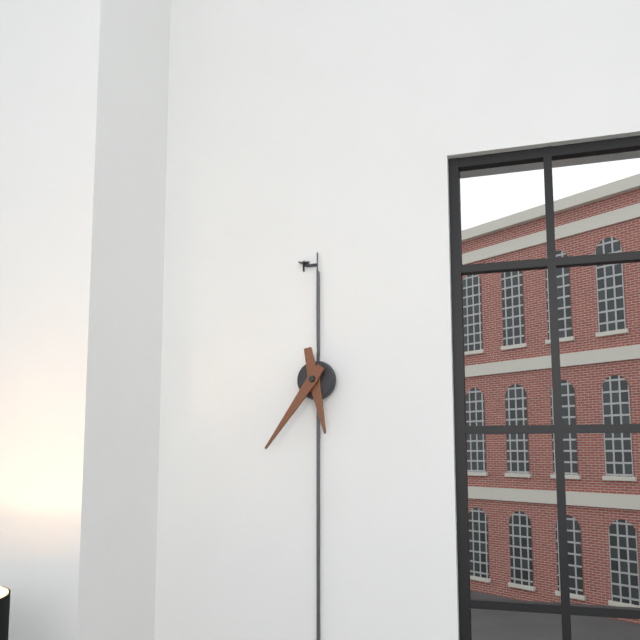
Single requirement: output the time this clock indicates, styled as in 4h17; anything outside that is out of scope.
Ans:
5h36
